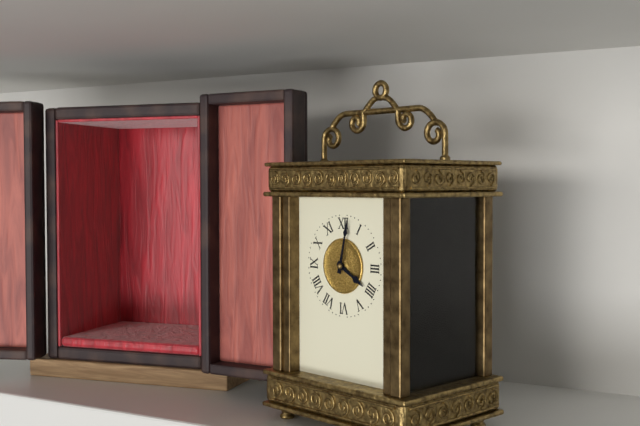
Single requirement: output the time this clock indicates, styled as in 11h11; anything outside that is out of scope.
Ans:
4h02
